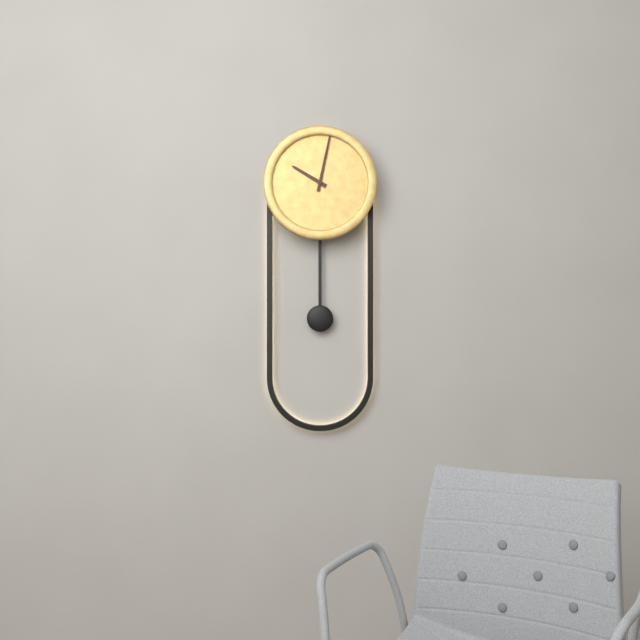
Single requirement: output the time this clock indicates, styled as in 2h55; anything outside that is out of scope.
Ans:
10h02
